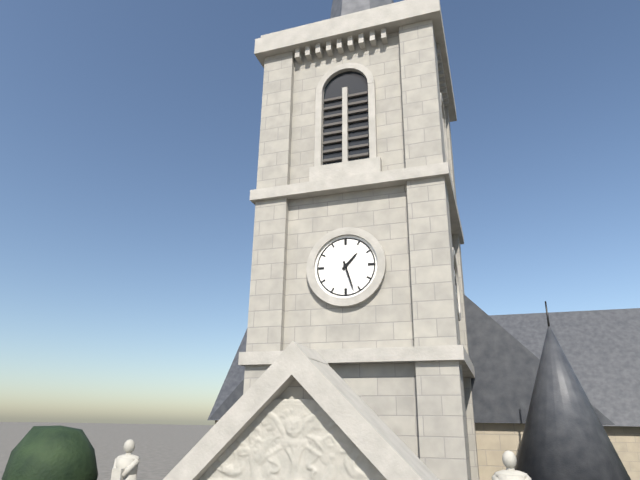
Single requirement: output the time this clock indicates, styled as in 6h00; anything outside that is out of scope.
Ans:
1h27
